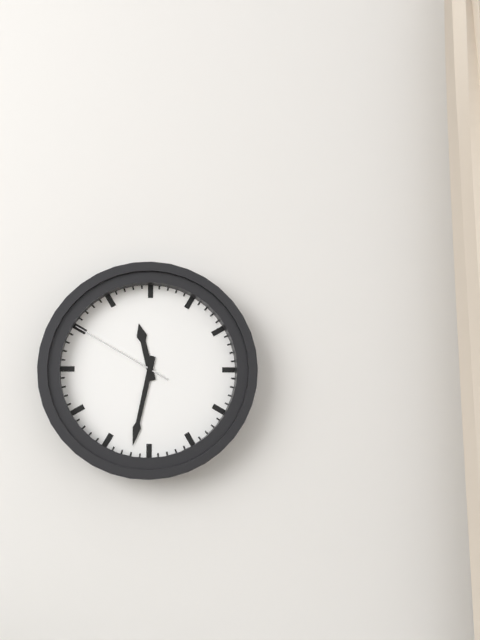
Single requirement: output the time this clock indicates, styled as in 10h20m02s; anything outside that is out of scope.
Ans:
11h32m50s
